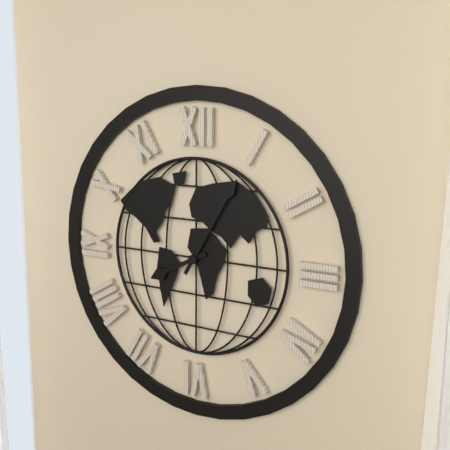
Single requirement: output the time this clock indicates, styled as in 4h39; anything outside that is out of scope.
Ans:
8h05
